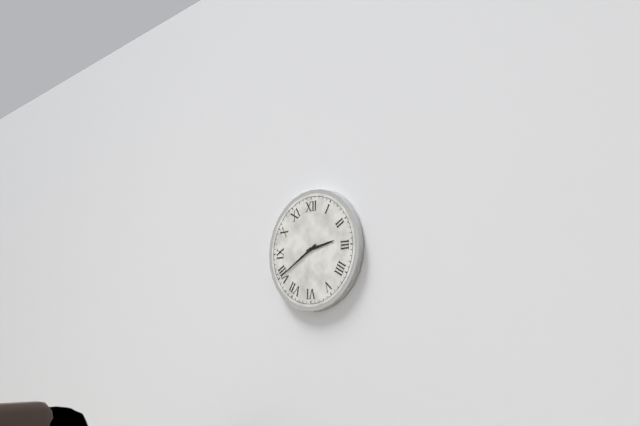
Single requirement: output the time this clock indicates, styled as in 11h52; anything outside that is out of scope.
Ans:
2h40
